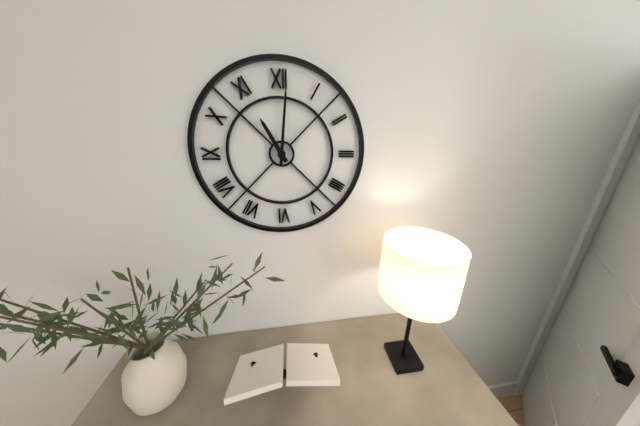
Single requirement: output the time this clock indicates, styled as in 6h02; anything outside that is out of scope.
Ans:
11h01
